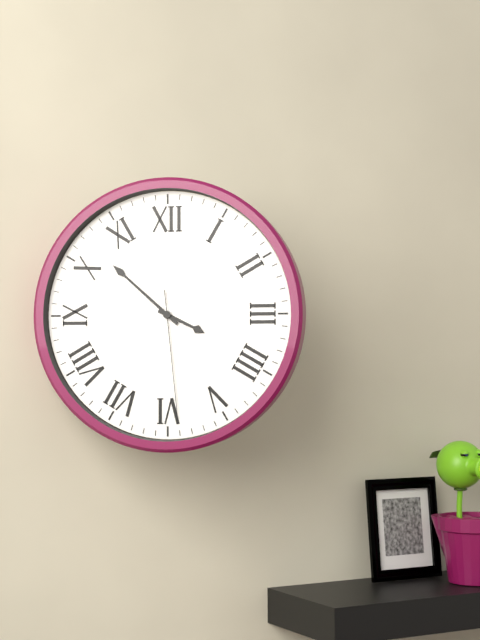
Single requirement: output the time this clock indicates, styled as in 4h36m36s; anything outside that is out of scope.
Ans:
3h52m29s
